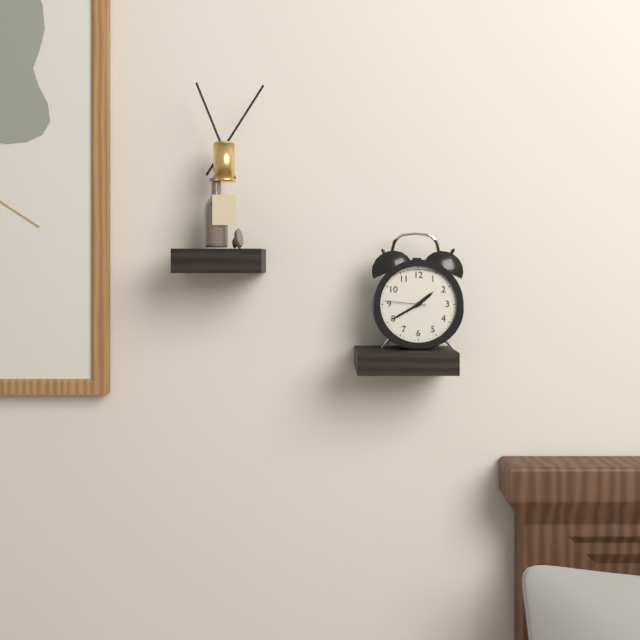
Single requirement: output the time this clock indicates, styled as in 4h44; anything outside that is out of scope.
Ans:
1h40
